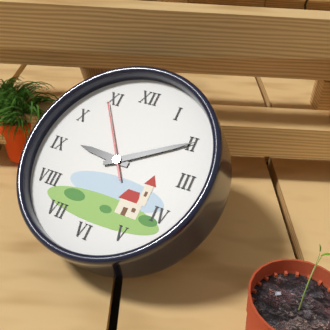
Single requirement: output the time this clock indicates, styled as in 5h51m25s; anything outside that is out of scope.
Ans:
9h10m54s
